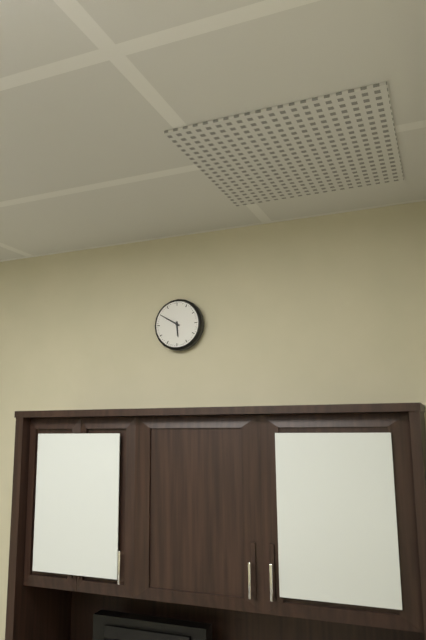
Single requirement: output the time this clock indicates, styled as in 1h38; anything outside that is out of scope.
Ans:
5h50
